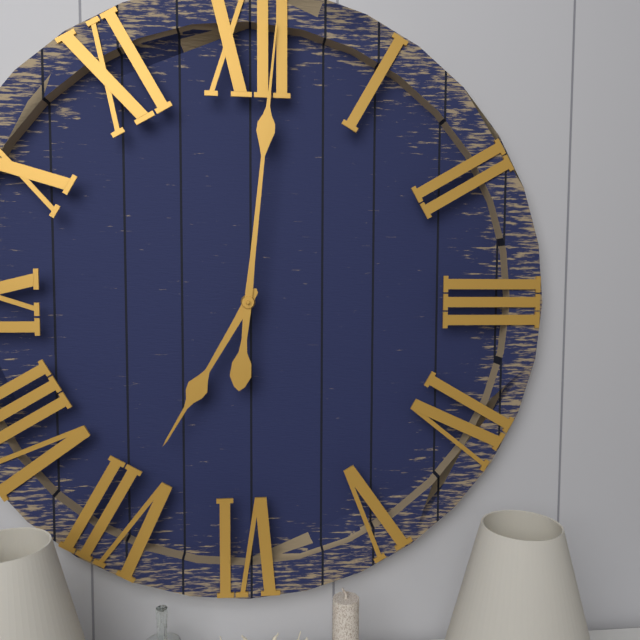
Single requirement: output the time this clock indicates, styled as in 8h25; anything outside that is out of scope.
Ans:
7h01
